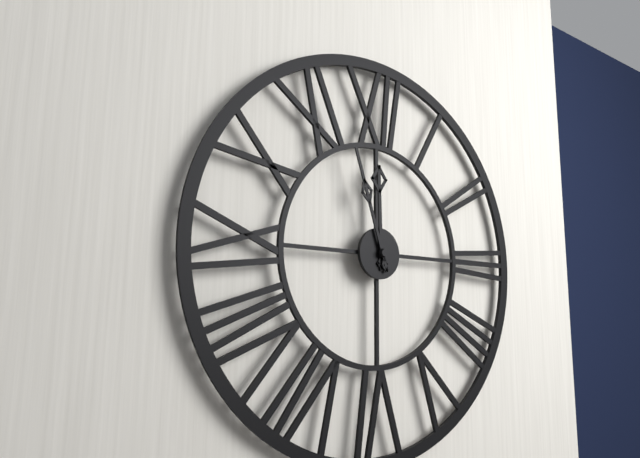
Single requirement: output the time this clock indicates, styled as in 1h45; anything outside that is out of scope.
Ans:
11h57
